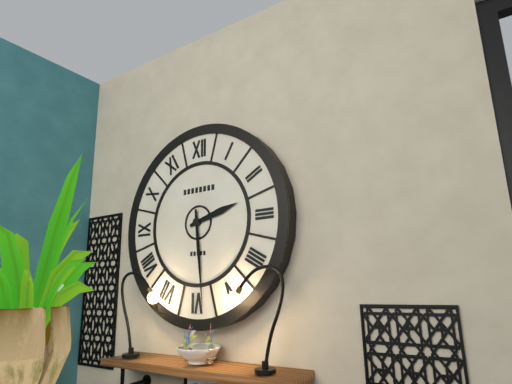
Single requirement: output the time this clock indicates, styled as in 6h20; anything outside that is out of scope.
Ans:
2h29
